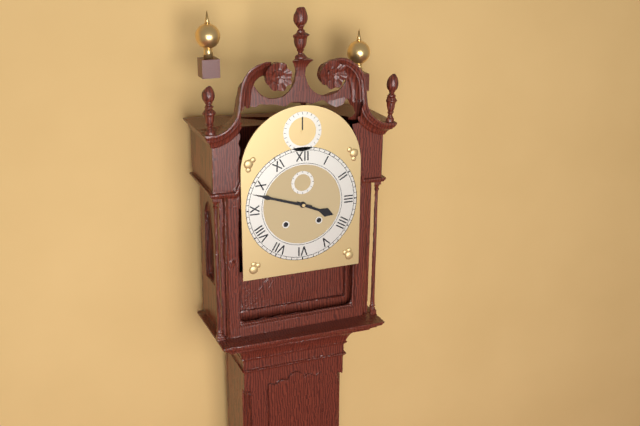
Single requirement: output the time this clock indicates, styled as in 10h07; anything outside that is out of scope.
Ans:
3h48
